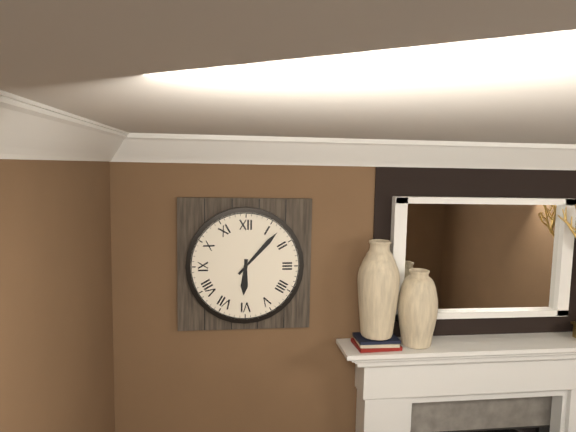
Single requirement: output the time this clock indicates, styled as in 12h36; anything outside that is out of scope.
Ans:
6h07
